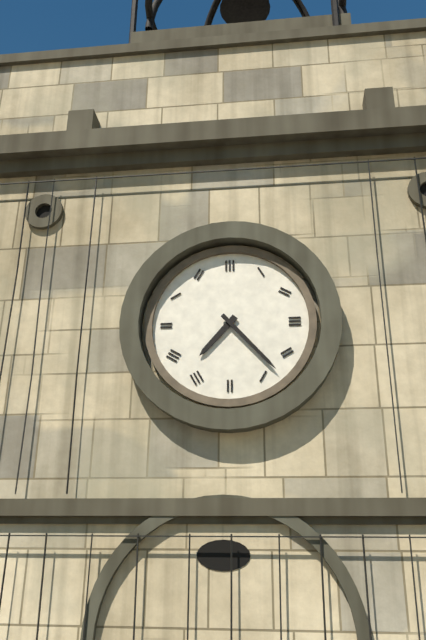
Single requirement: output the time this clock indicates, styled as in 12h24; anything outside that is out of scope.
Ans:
7h23
